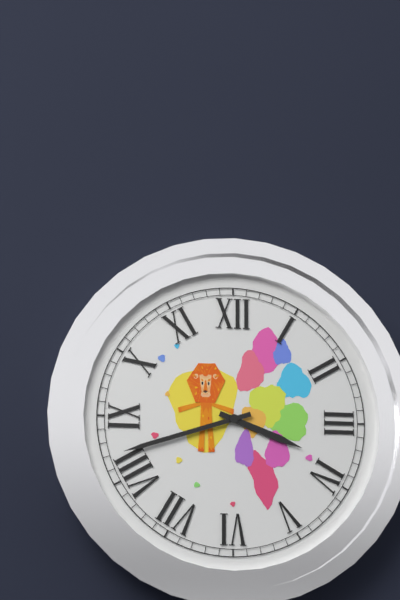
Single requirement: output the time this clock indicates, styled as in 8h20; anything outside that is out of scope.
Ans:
3h42
